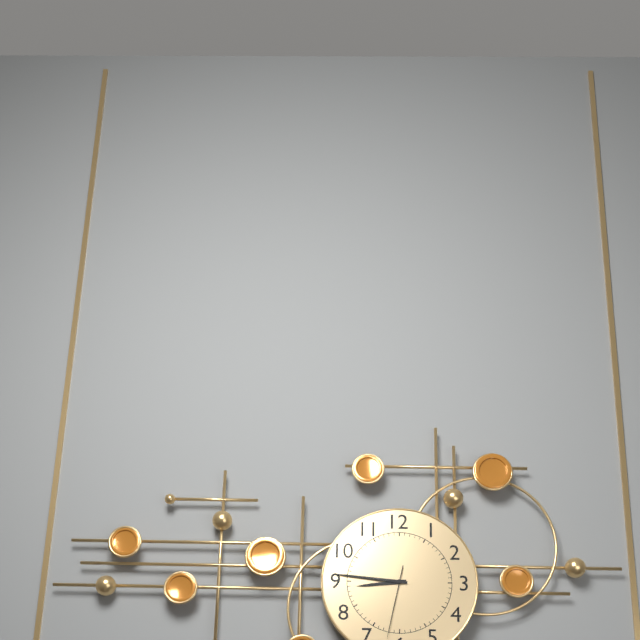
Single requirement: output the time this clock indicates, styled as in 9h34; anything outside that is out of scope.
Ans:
8h46
